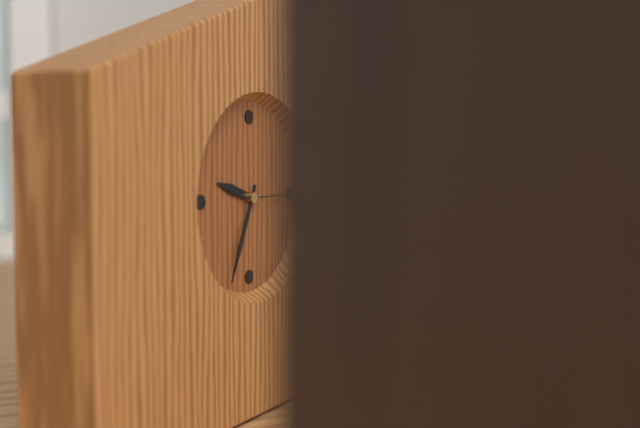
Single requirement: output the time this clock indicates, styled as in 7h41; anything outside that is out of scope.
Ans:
9h34
